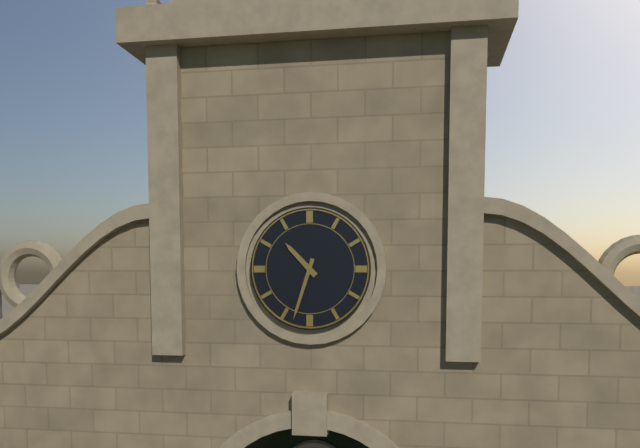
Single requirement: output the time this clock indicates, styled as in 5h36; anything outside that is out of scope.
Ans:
10h33
